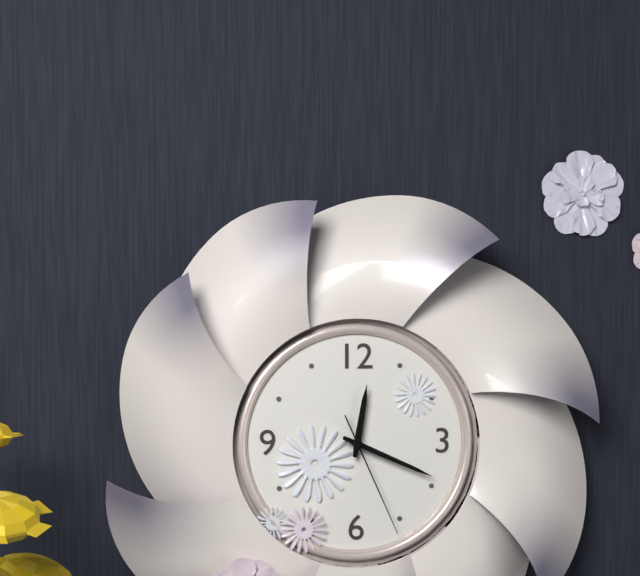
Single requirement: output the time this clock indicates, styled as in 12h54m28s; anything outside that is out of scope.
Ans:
12h19m26s
